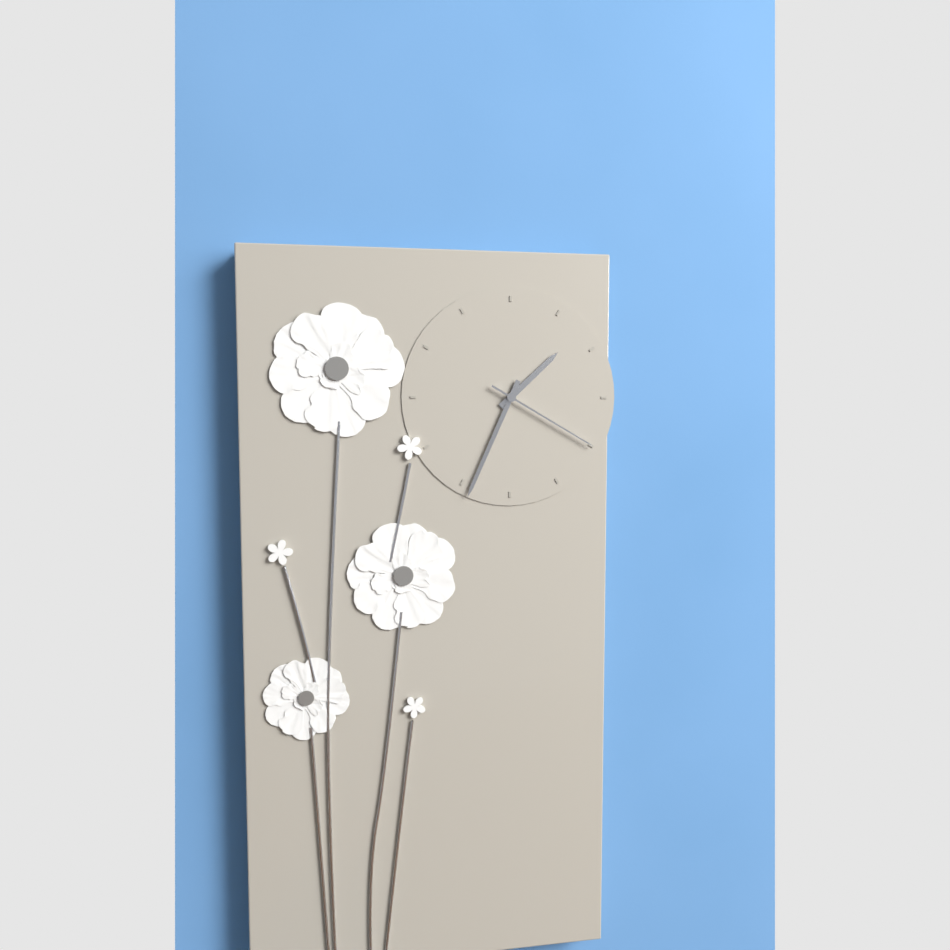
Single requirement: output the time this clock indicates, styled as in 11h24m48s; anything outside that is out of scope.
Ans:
1h34m20s
